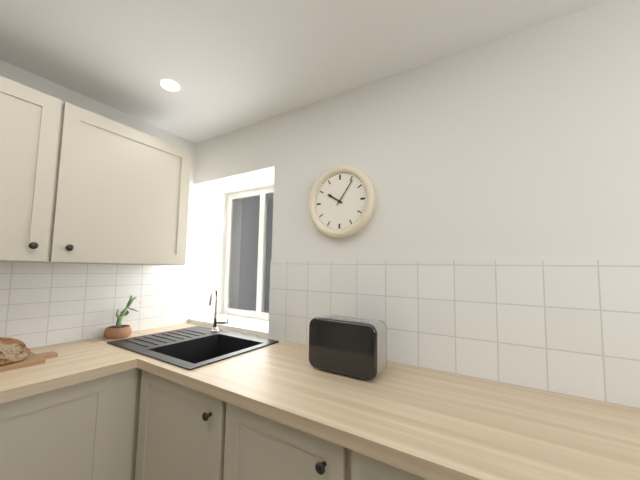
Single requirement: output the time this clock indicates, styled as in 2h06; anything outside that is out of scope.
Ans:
10h06
